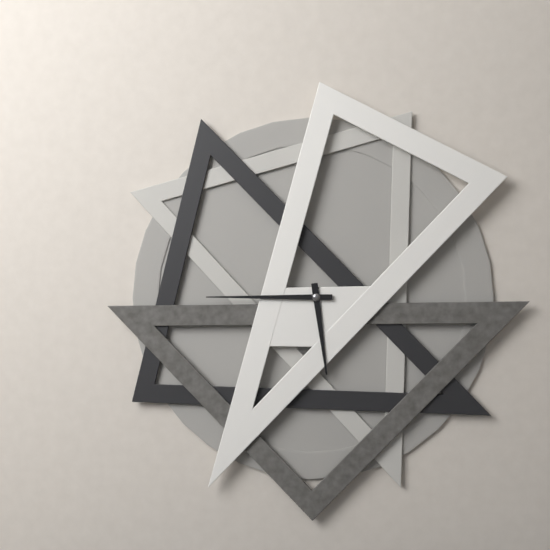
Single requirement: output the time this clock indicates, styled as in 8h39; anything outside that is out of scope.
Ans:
5h45
